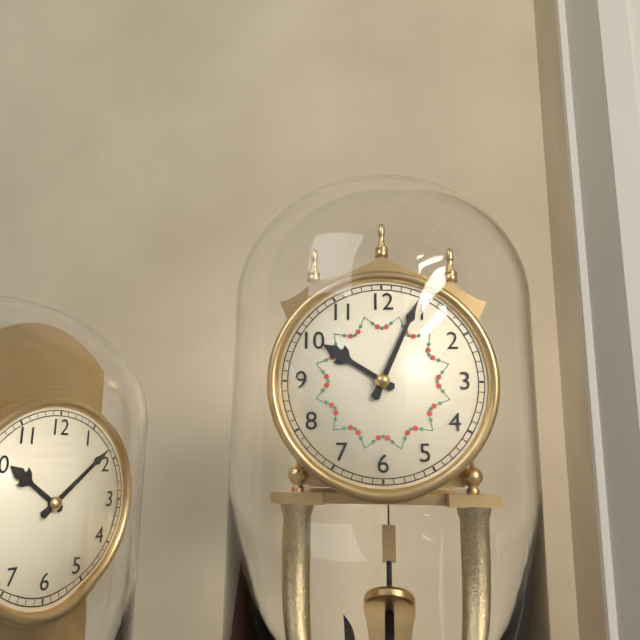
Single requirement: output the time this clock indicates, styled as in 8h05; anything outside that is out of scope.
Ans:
10h04
